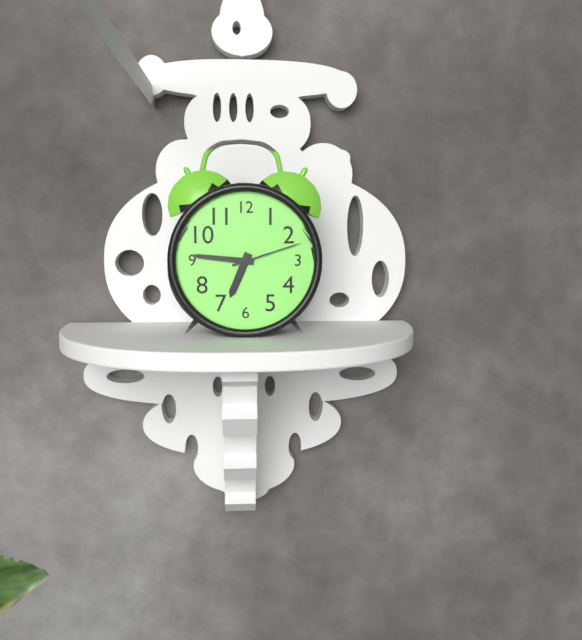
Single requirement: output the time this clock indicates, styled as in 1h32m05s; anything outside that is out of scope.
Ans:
6h46m12s
